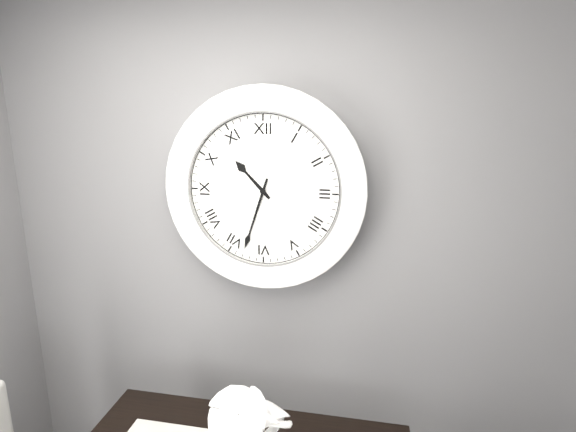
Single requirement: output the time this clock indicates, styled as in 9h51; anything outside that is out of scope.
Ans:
10h33
